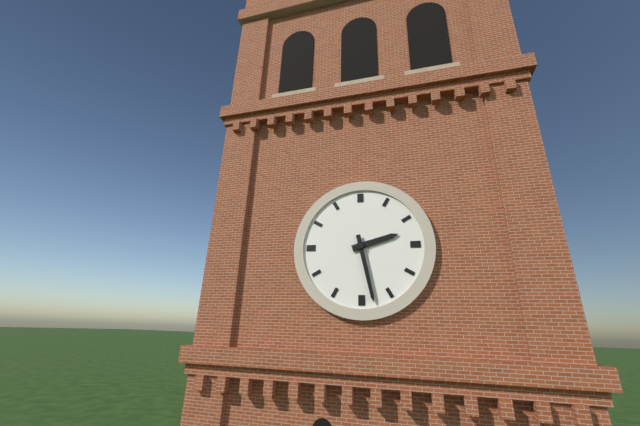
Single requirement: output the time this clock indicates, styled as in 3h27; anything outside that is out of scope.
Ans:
2h28
